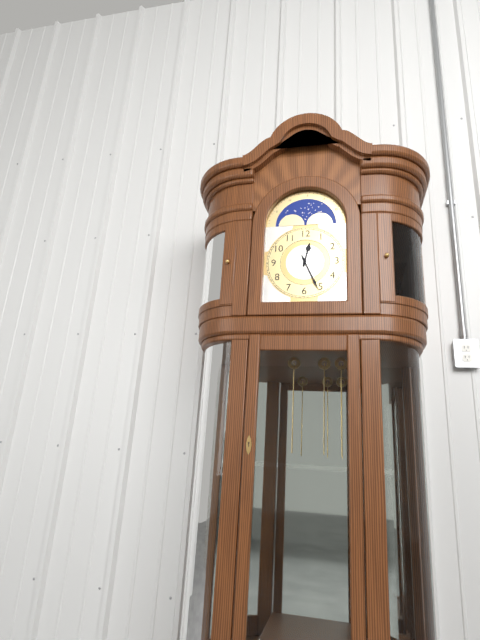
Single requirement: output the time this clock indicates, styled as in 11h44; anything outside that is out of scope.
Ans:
12h26
